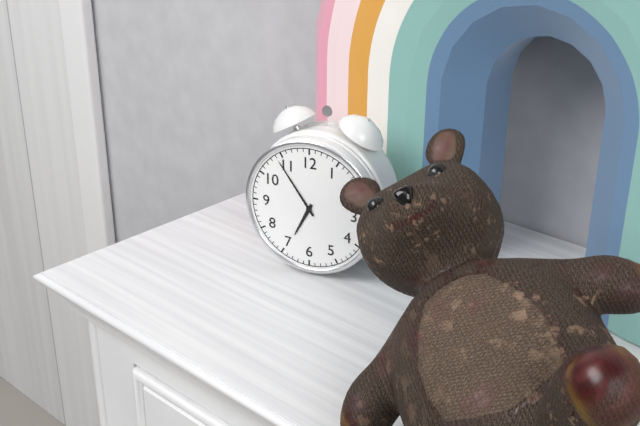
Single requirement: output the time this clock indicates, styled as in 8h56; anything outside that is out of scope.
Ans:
6h54
